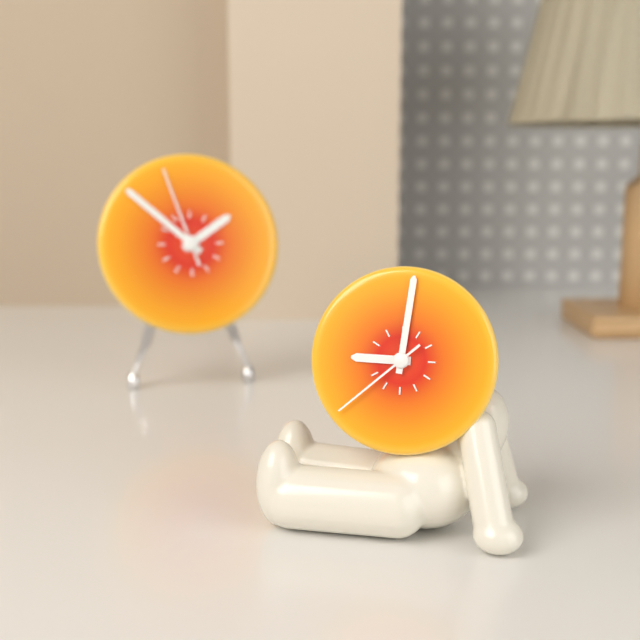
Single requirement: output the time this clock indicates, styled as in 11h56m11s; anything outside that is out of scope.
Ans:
9h01m38s
